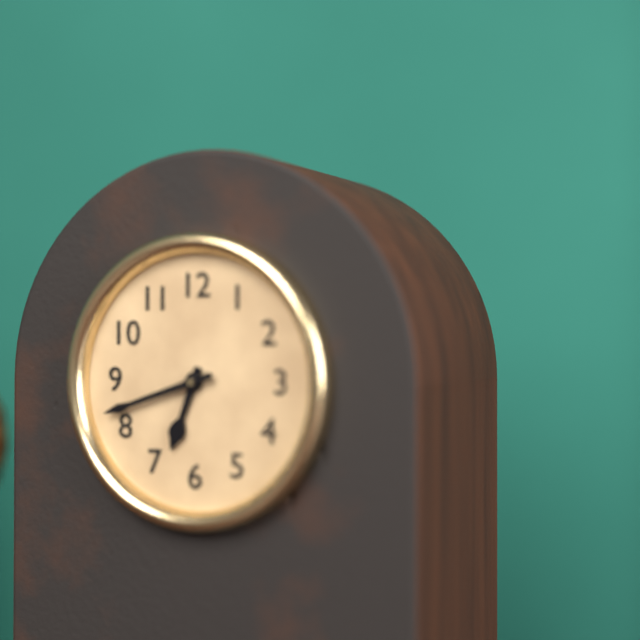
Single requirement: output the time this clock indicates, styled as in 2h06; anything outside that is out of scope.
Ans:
6h42
